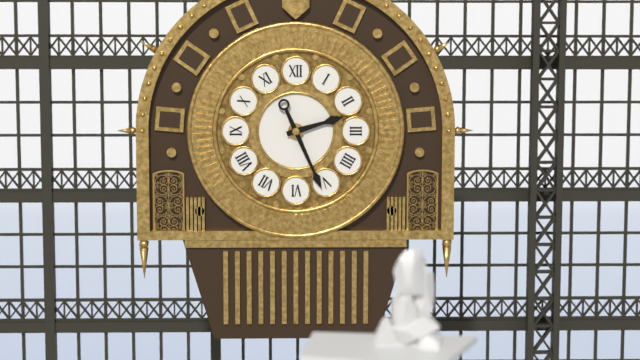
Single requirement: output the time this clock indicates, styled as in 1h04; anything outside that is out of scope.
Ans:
2h26
